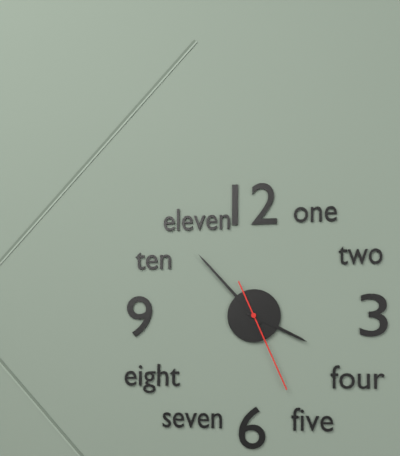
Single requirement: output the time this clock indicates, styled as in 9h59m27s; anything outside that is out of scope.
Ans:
3h53m26s
